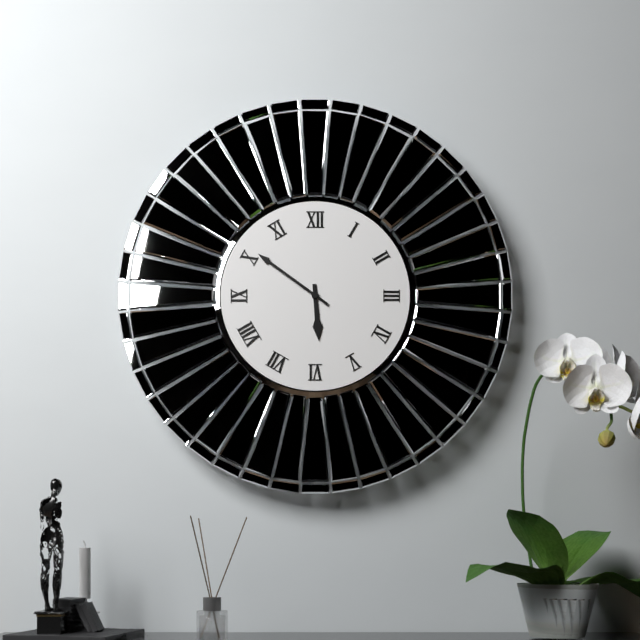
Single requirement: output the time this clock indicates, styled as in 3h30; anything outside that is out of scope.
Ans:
5h51
